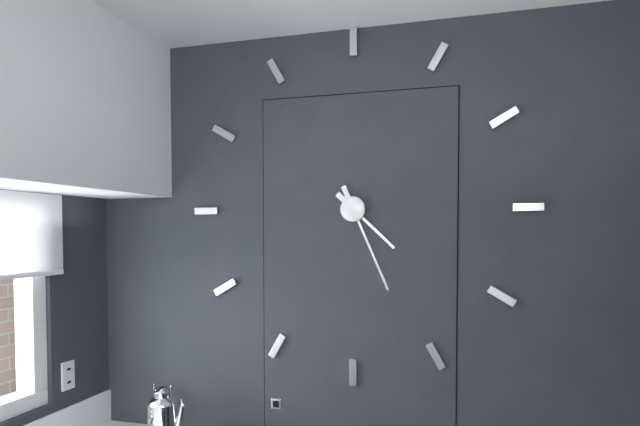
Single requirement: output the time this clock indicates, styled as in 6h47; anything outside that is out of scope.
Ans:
4h26
